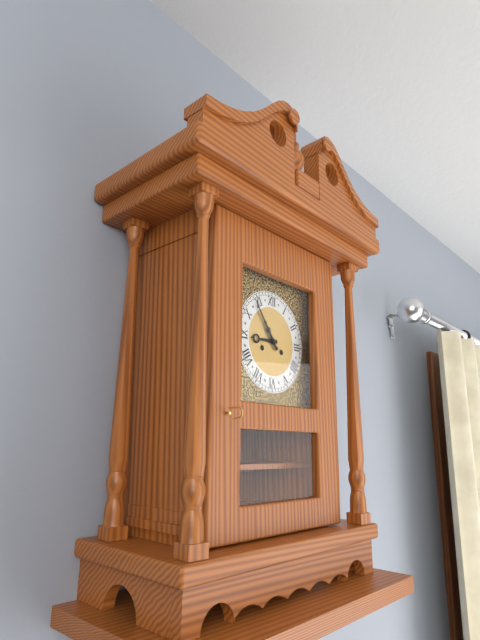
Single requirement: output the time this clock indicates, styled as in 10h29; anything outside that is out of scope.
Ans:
8h54
